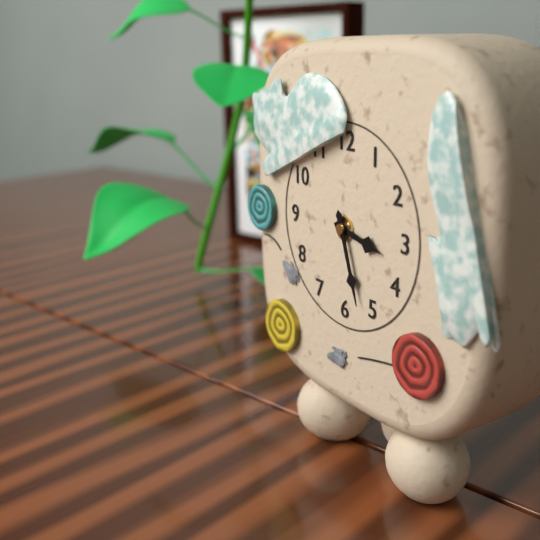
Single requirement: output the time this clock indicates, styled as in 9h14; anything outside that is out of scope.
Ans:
3h27
